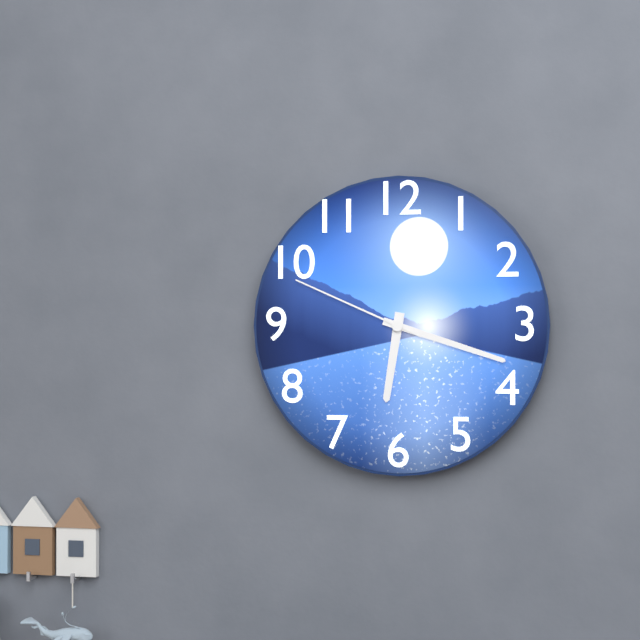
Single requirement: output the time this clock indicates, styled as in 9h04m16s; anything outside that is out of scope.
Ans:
6h18m49s
